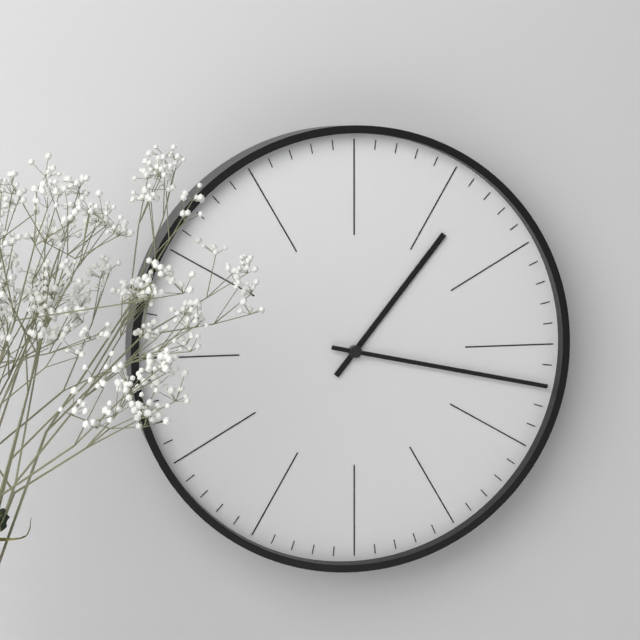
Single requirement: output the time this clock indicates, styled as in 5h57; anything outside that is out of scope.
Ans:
1h17
